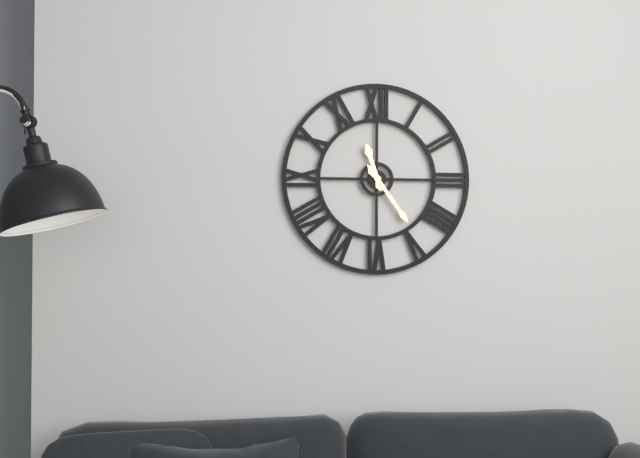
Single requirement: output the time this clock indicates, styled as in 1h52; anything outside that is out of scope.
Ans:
11h24
